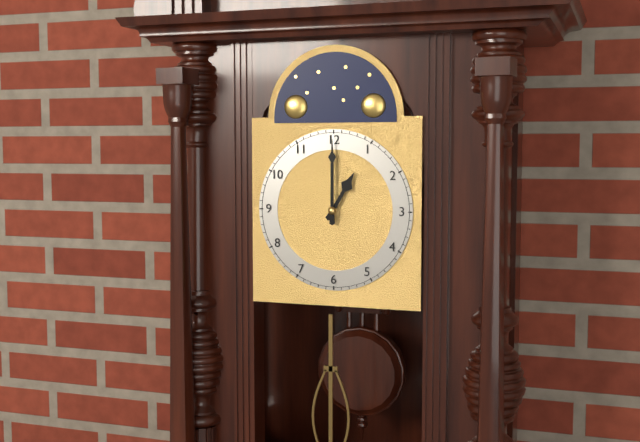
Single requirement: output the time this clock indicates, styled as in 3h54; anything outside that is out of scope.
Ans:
1h00
